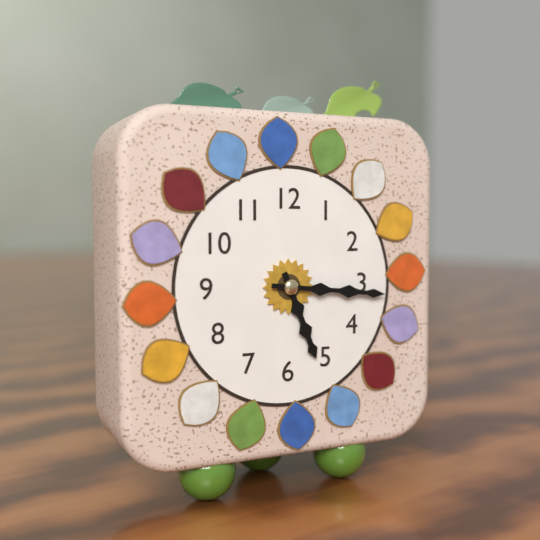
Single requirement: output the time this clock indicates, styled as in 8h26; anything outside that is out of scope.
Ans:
5h16
